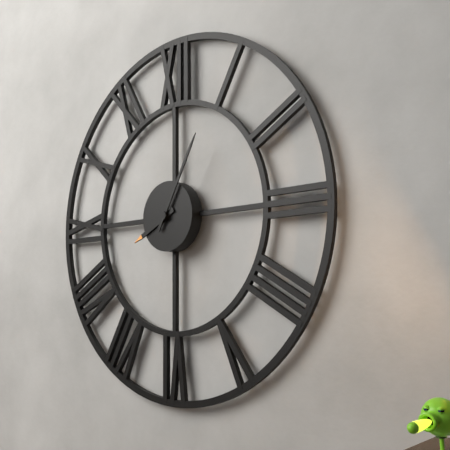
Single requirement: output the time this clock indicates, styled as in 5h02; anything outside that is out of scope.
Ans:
8h05
